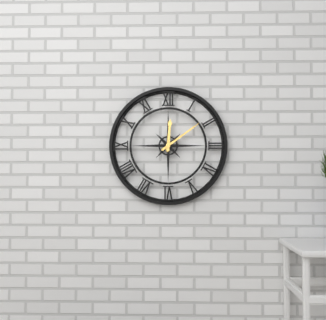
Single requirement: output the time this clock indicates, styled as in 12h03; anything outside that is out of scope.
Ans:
12h09
